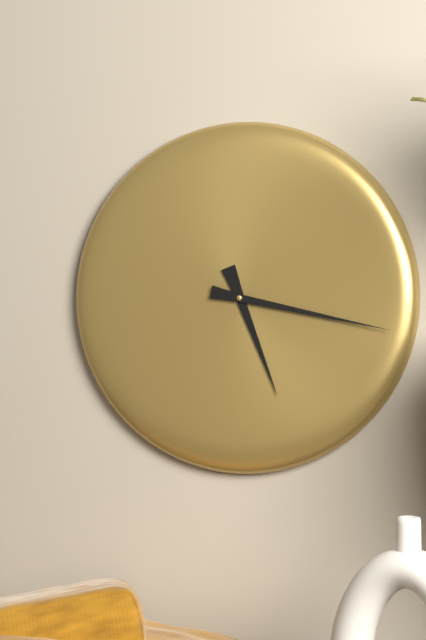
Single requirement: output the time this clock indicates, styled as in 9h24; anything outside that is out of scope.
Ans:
5h17
